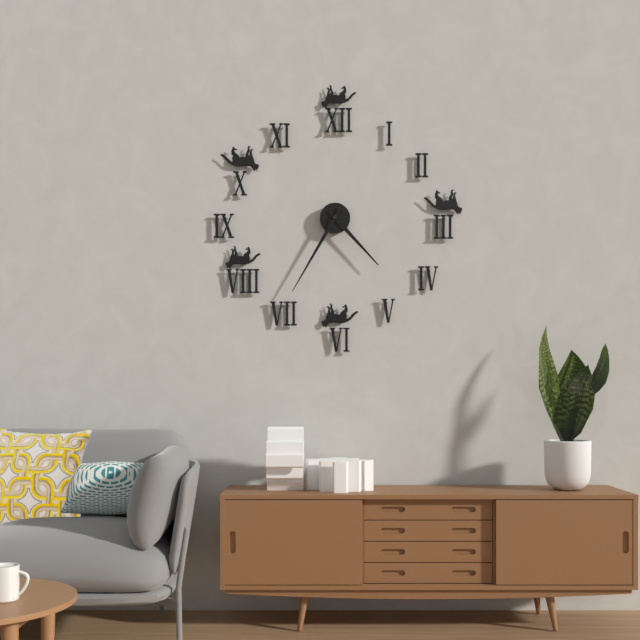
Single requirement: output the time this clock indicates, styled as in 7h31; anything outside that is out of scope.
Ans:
4h35
